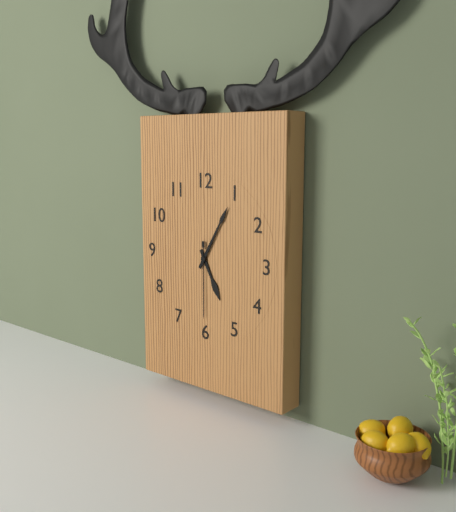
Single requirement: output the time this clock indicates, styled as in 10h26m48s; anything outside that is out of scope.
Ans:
5h05m30s
